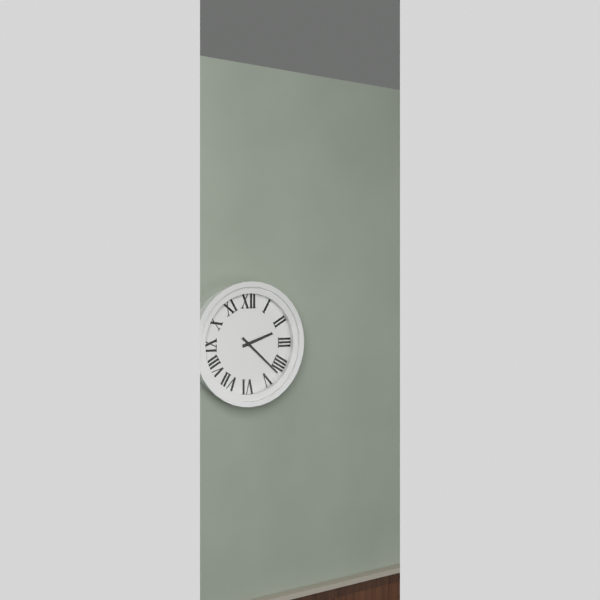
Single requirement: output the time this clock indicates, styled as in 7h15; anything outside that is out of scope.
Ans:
2h22
